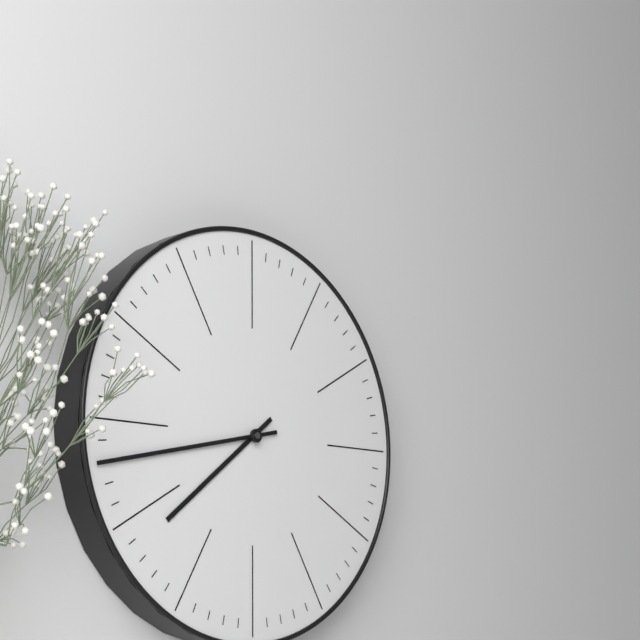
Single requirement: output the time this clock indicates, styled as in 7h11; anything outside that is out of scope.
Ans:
7h43
